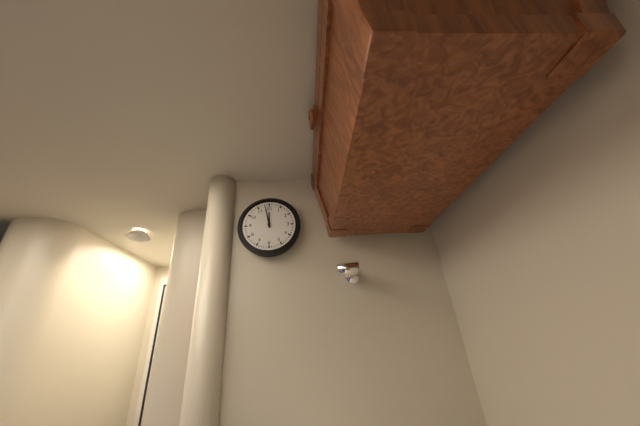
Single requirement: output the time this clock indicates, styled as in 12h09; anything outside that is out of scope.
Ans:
11h58
